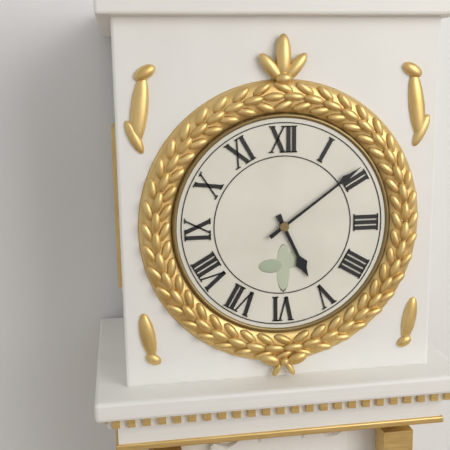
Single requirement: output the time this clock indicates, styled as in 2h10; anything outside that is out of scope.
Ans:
5h09
